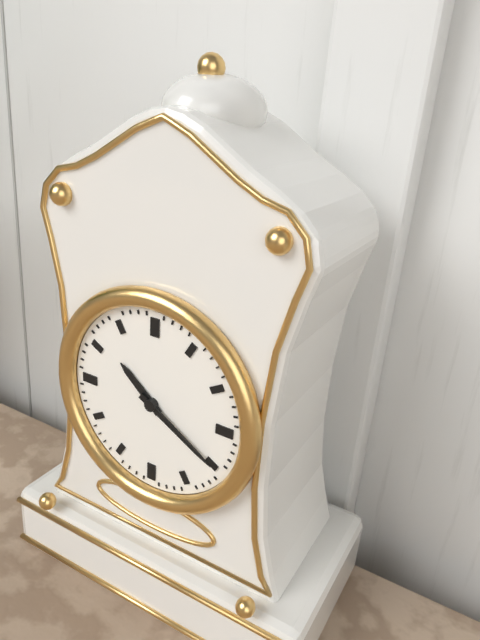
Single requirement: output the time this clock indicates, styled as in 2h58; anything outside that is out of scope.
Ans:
10h20
